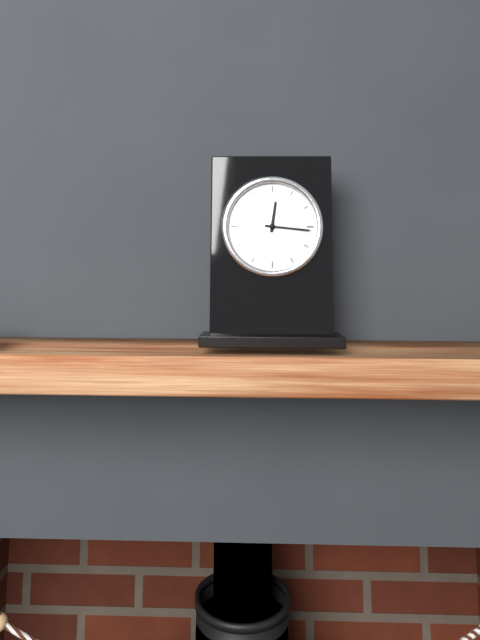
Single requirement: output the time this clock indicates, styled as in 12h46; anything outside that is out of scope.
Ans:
12h16
